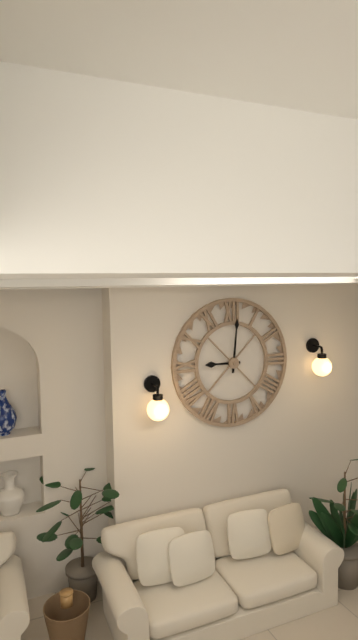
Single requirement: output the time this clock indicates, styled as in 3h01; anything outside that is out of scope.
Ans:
9h01
